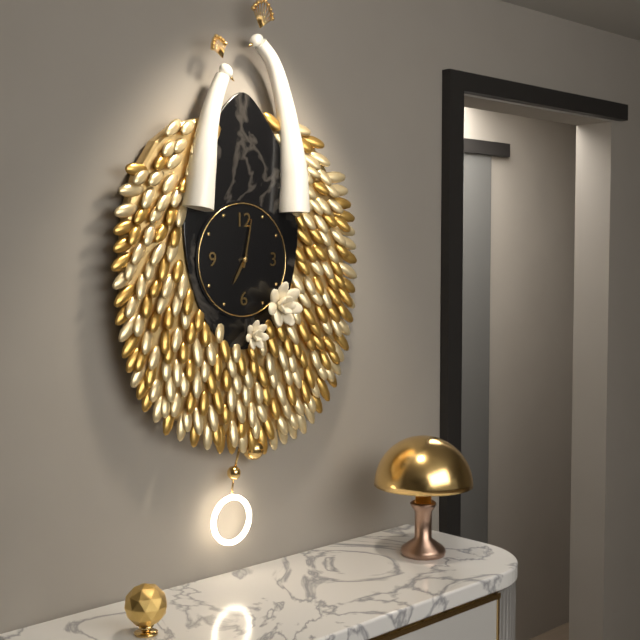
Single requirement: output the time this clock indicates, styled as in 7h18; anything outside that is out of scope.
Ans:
7h02
